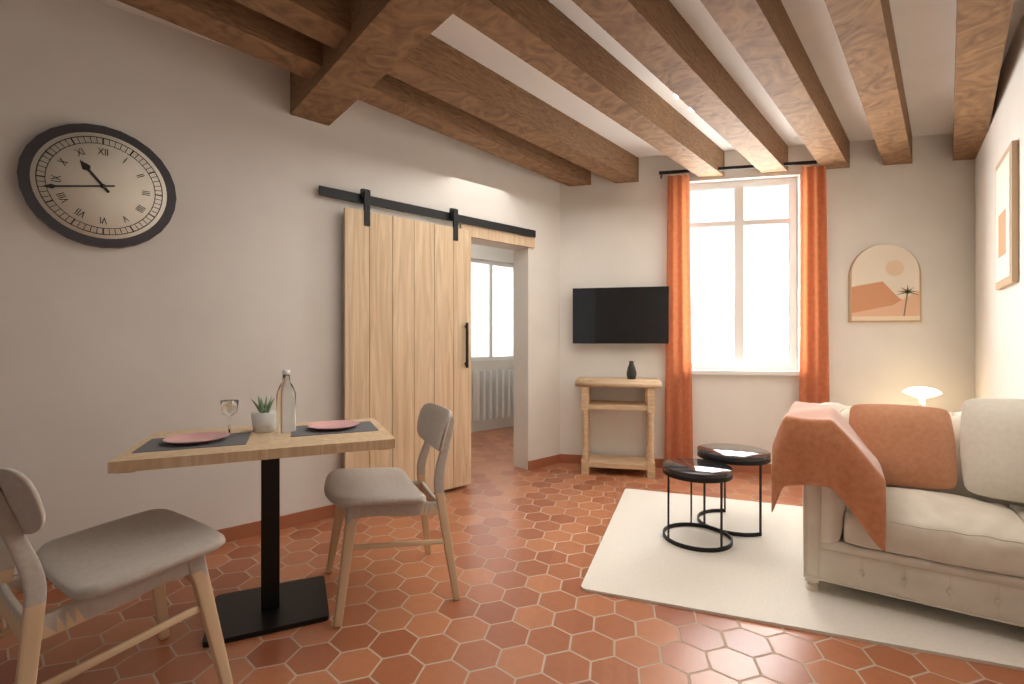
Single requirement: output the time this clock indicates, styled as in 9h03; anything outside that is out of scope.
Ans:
10h43
